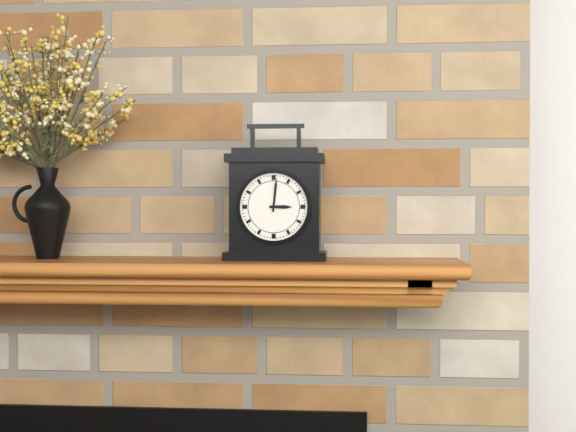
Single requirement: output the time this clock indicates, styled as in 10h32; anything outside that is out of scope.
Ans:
3h01
